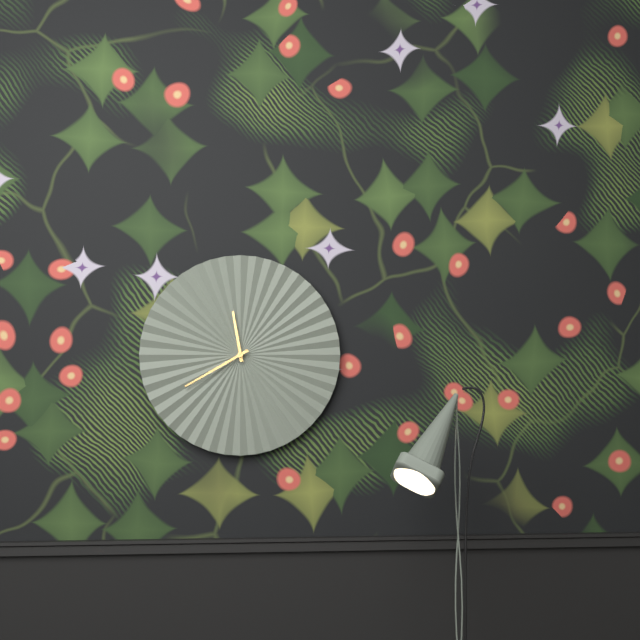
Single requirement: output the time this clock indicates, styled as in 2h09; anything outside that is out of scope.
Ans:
11h40
